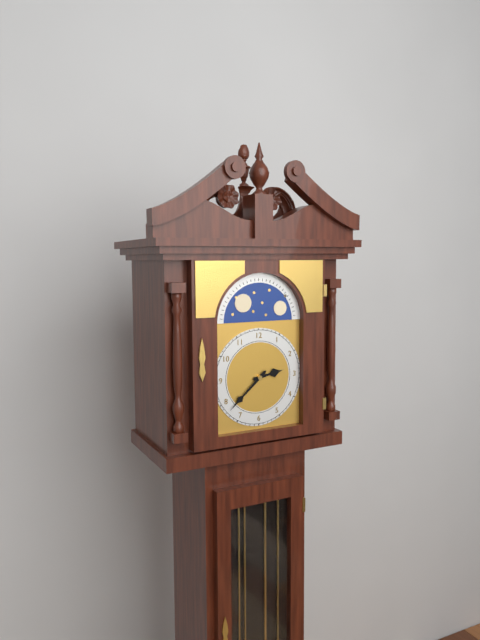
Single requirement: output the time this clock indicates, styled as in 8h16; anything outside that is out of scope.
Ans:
2h38
